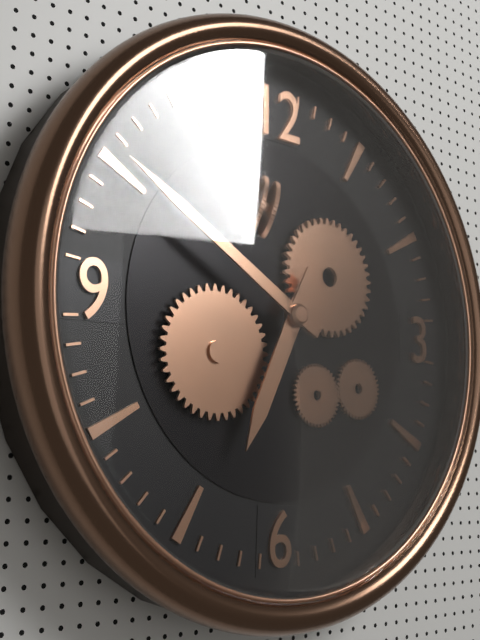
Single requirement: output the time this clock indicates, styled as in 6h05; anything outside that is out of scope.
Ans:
6h50
